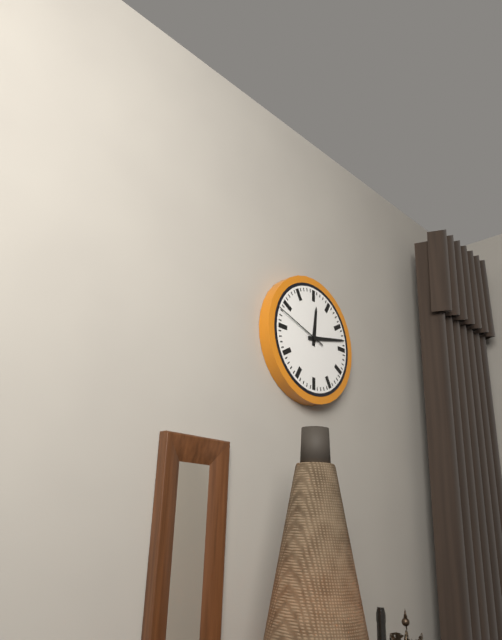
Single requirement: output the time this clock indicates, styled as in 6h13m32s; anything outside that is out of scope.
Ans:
12h13m48s
